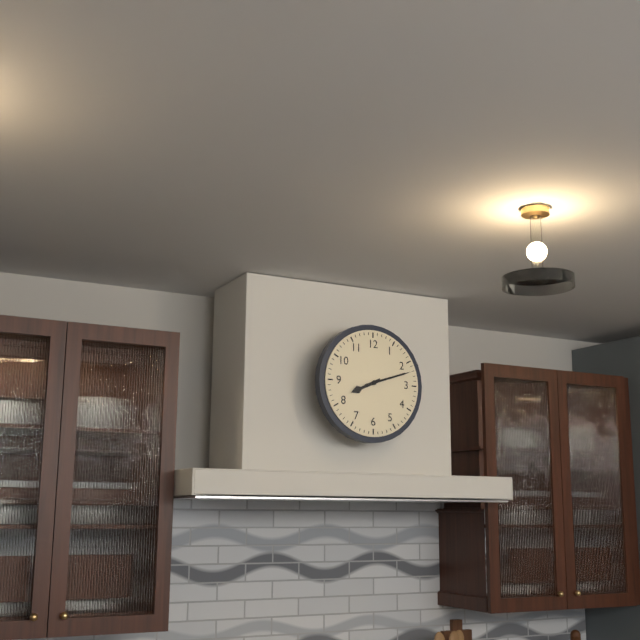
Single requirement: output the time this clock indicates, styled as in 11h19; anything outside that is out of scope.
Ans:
8h12
